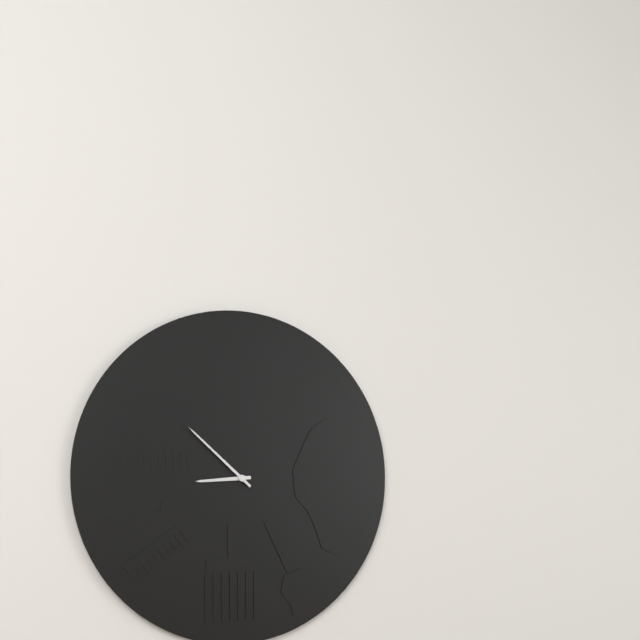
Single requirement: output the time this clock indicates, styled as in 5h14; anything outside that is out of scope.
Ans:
8h52
